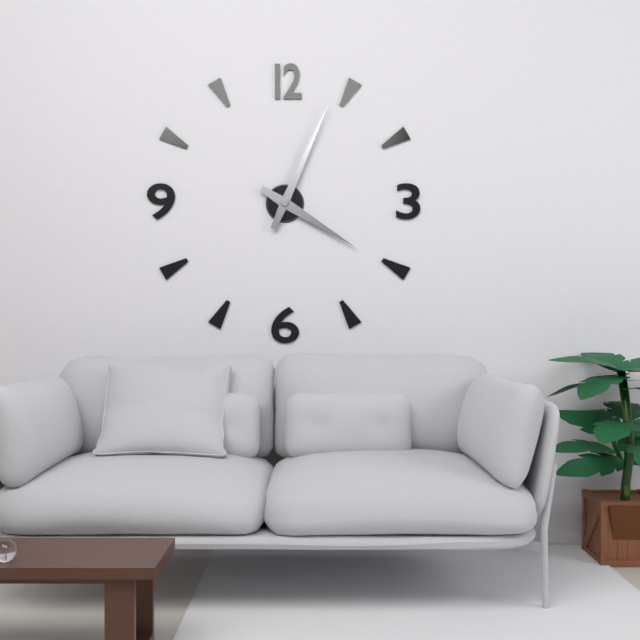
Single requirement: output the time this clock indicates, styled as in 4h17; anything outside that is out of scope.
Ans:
4h04
